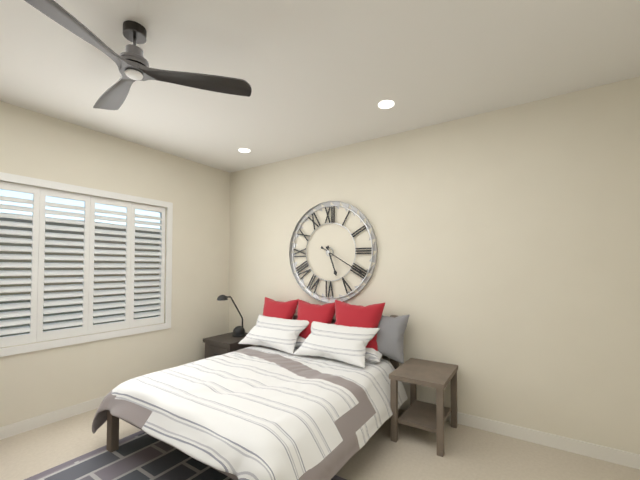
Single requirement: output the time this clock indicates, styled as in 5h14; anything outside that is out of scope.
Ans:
5h20
